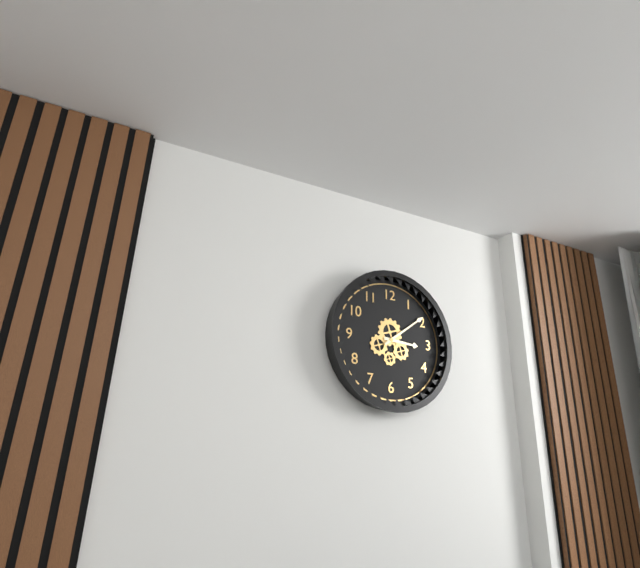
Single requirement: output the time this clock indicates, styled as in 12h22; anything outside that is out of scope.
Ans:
3h09
